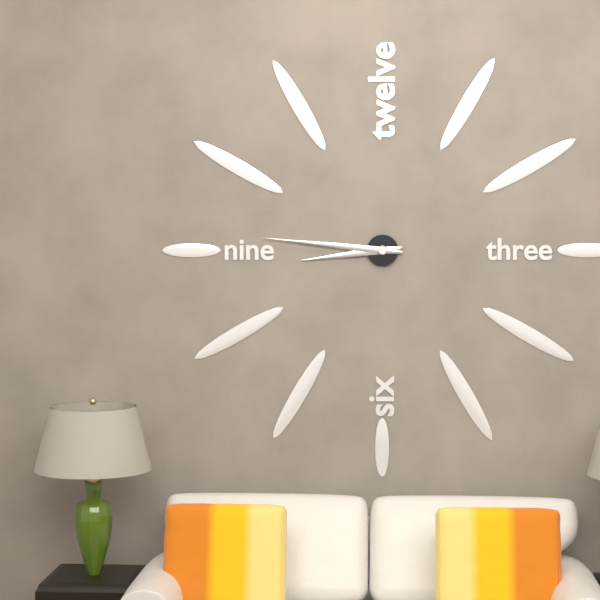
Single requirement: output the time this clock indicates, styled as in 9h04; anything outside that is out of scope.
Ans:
8h46
